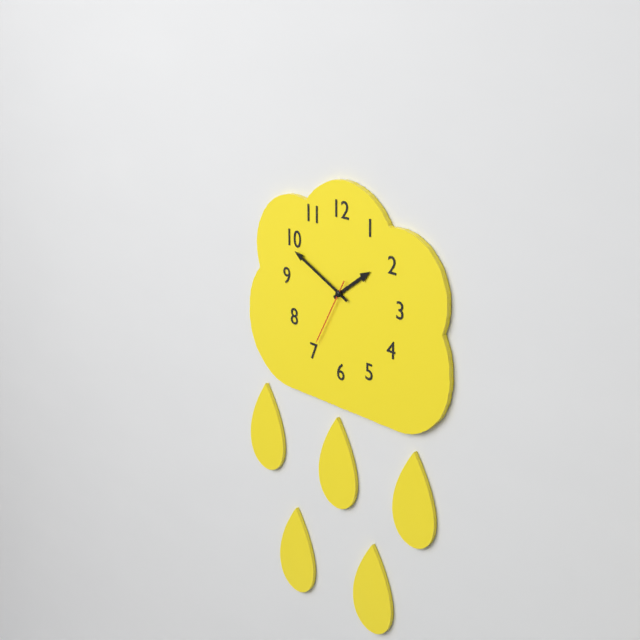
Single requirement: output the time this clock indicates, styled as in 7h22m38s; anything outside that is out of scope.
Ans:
1h49m35s
